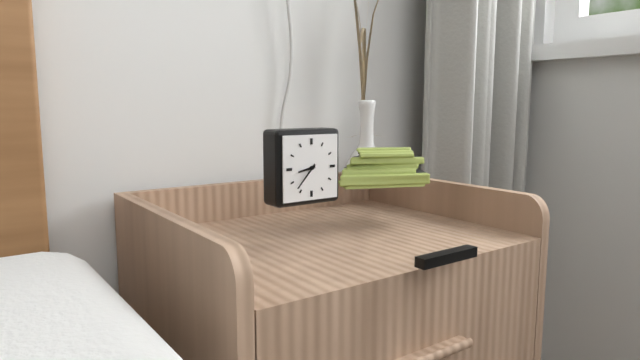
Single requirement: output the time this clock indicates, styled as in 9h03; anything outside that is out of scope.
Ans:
8h37
